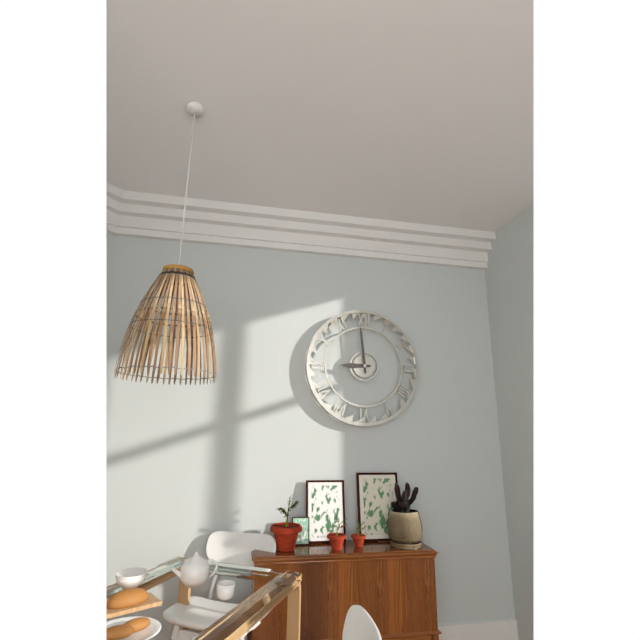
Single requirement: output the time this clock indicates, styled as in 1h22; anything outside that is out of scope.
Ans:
8h59
